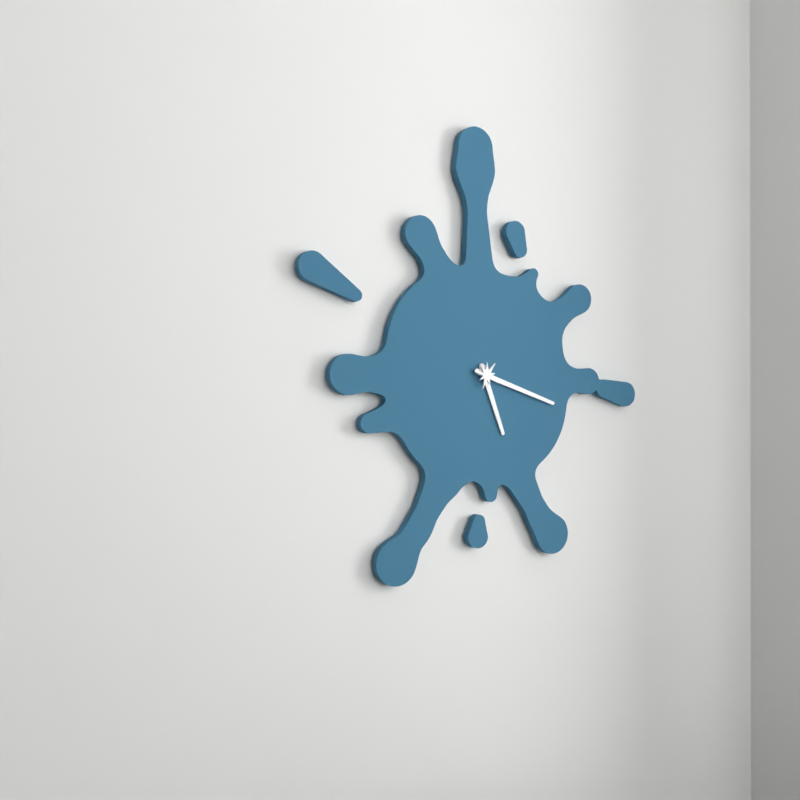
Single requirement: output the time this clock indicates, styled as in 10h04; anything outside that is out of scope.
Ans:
5h18
